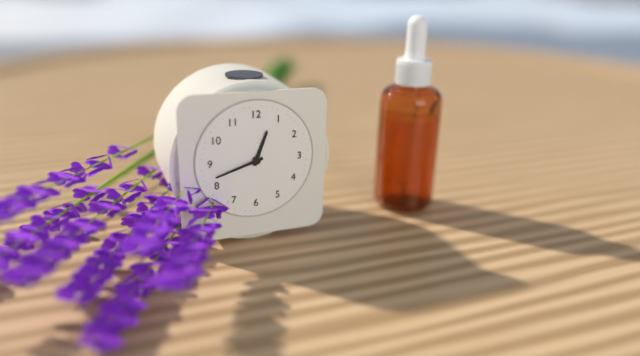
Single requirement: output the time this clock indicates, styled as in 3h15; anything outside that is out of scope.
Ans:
12h42
